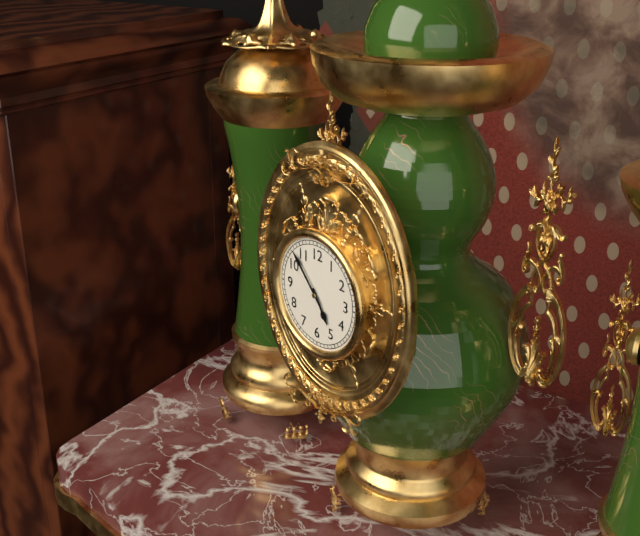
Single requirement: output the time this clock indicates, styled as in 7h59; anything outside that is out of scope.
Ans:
4h53
